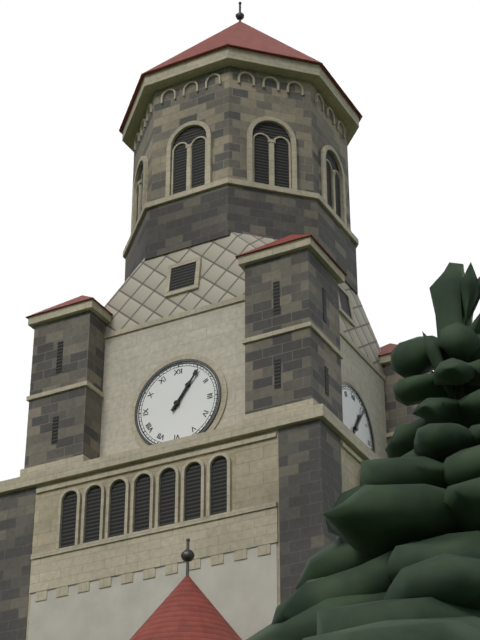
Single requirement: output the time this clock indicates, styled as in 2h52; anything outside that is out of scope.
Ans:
1h06
